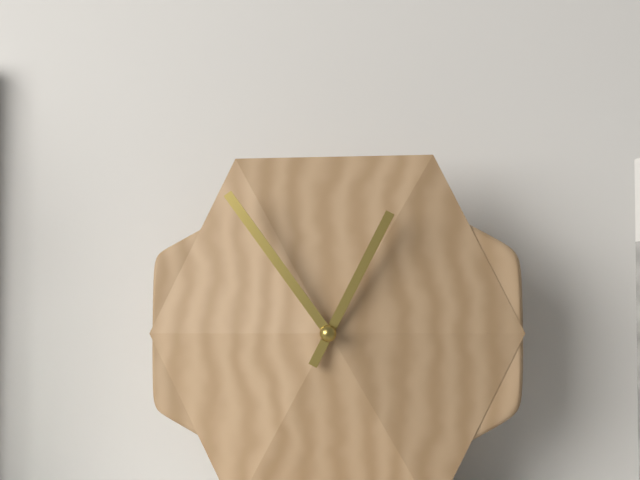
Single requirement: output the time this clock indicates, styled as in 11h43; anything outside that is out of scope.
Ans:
12h54
